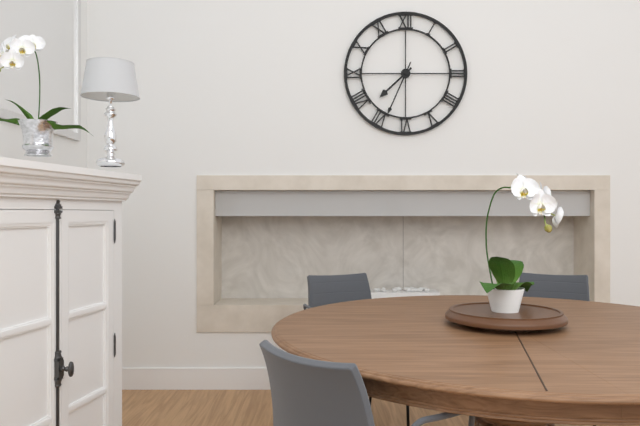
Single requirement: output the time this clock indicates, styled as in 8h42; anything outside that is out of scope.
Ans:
7h34
